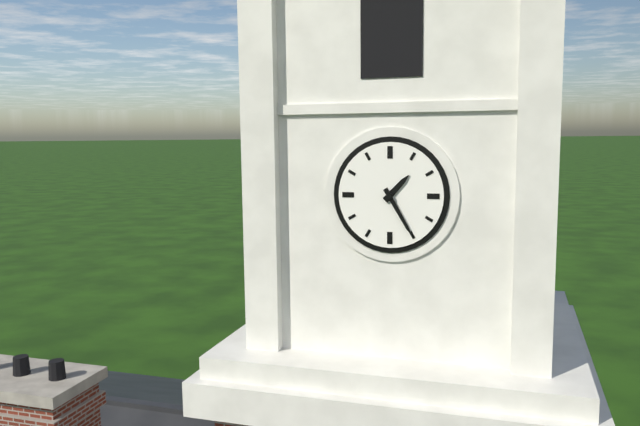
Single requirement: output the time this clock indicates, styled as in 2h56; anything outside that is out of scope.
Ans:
1h25
